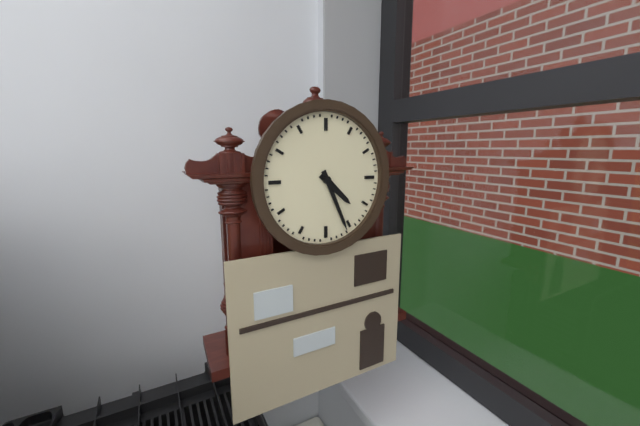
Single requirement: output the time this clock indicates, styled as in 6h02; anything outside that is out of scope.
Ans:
4h26
